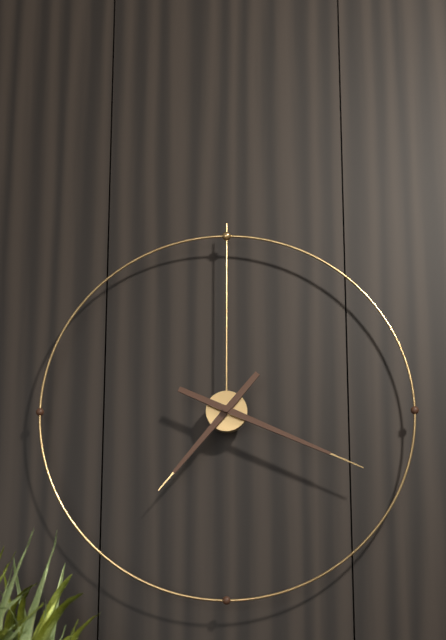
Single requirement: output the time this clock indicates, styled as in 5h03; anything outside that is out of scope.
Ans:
7h19
